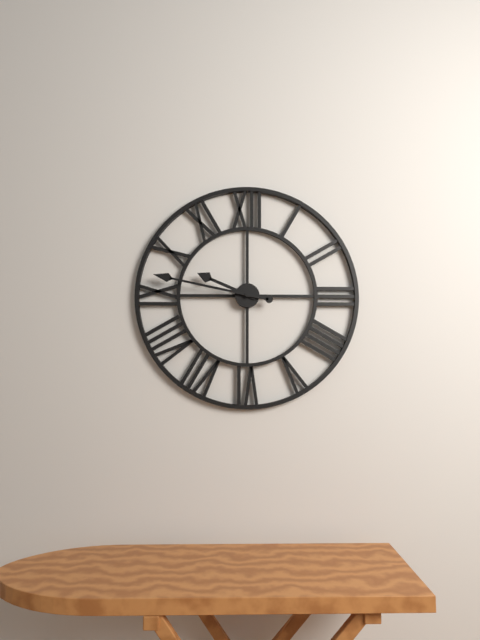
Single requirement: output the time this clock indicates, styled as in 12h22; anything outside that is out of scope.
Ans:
9h47
